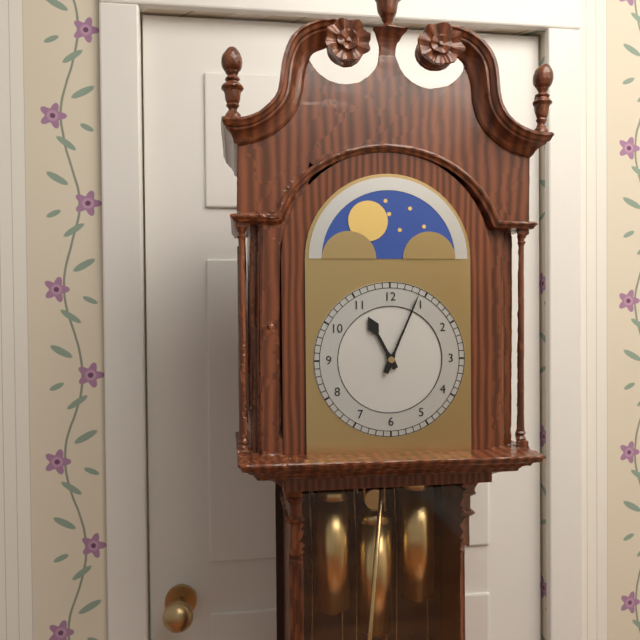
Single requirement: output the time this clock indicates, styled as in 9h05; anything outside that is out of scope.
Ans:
11h04
